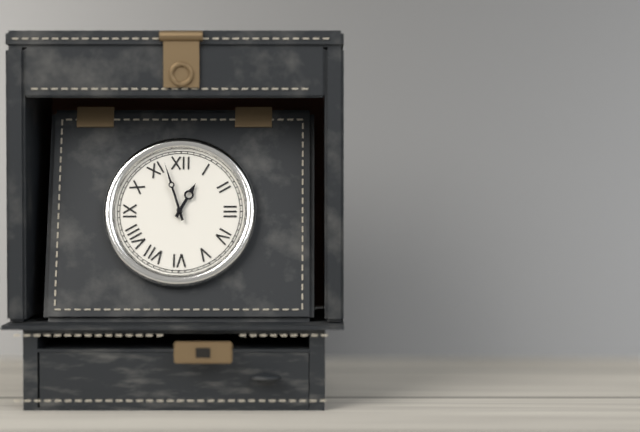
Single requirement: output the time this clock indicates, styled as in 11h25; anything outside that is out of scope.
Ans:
12h57
